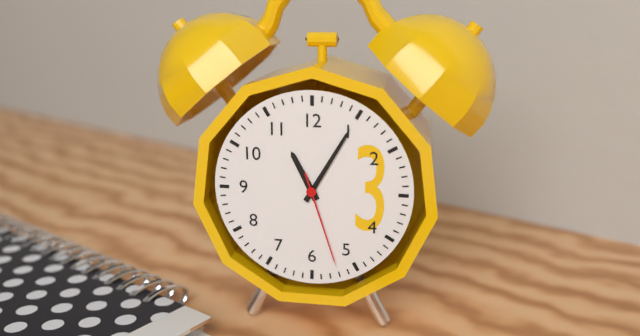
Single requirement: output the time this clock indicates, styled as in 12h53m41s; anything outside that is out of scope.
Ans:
11h05m27s
